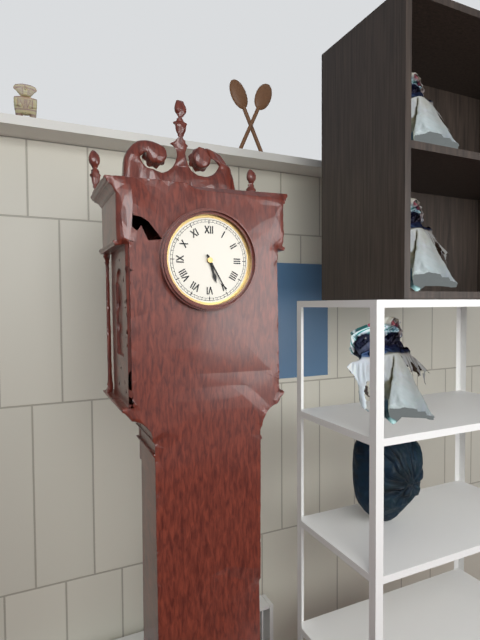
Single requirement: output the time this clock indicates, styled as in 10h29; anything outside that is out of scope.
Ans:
5h25
